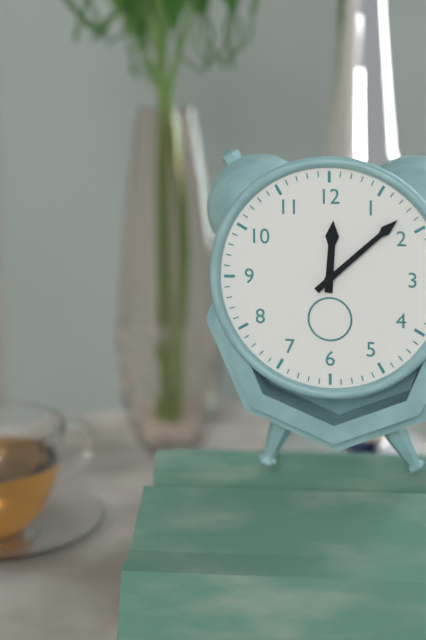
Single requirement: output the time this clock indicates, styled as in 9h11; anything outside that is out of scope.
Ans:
12h08
